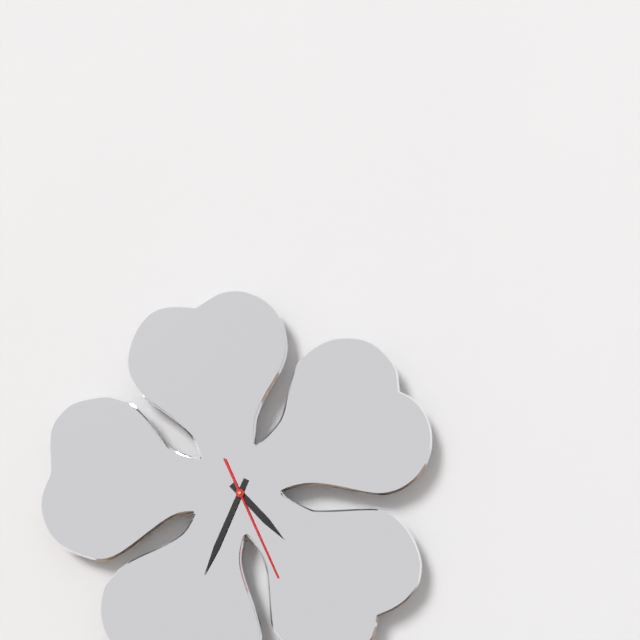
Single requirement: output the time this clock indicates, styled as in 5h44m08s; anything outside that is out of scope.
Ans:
4h34m26s
